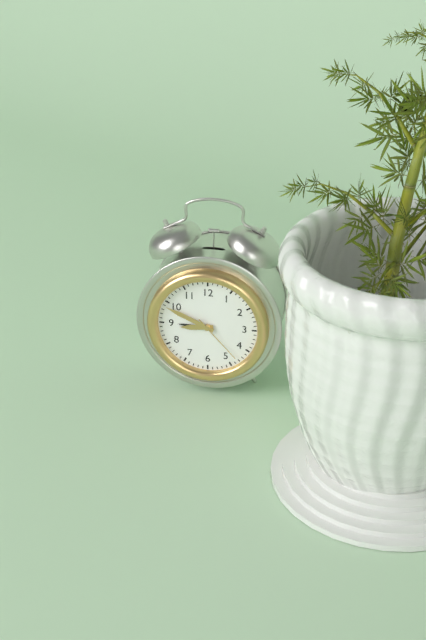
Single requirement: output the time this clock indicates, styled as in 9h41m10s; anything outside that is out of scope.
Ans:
8h49m23s
